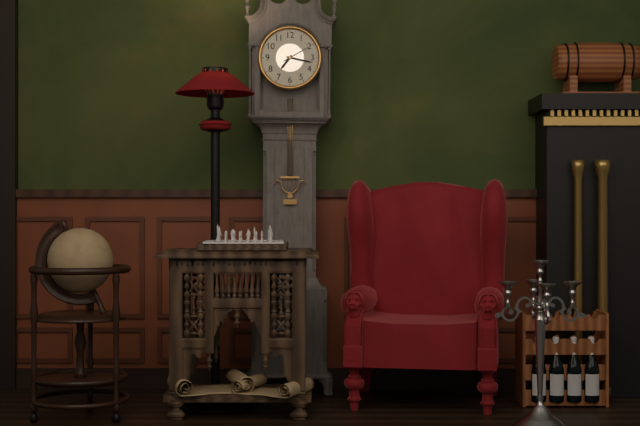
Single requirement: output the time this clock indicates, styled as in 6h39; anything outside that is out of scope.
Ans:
7h17
